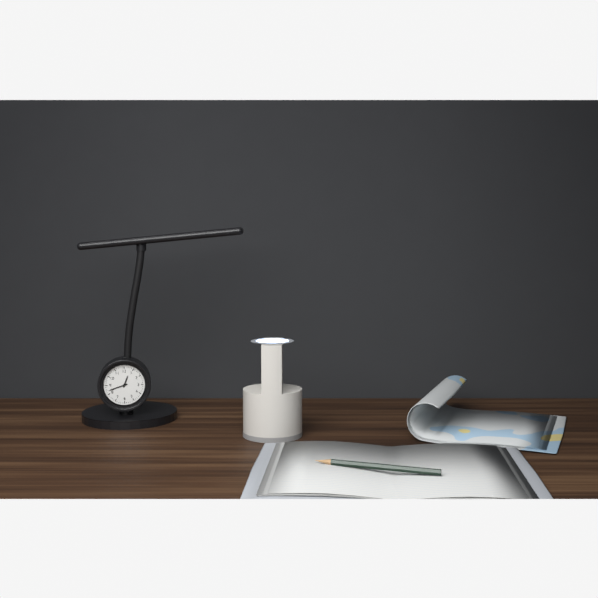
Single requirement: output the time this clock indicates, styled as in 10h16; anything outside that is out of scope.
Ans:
12h42
